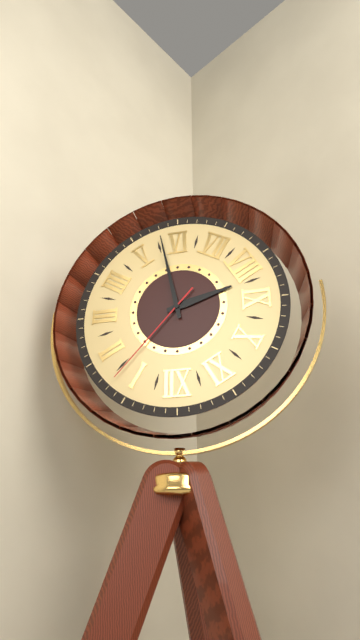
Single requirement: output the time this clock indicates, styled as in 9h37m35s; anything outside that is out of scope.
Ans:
8h28m07s
